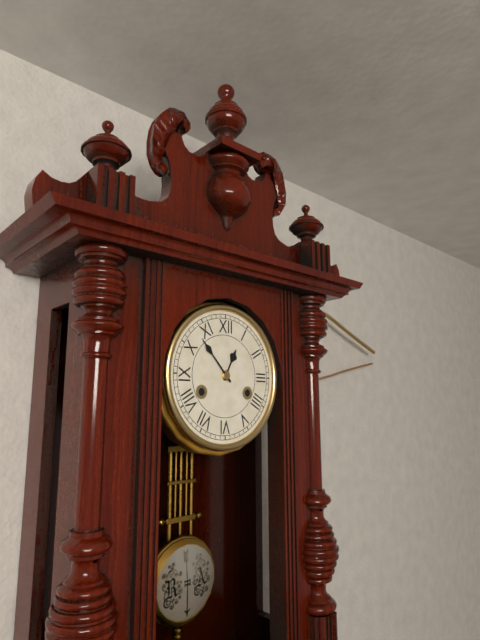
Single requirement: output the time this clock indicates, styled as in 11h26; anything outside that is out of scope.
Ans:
12h53
